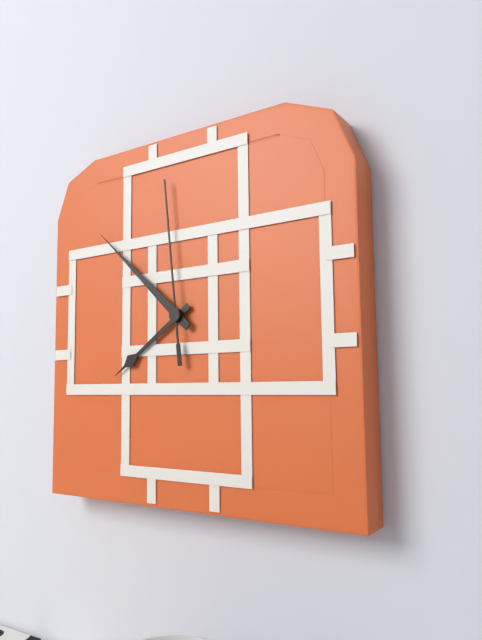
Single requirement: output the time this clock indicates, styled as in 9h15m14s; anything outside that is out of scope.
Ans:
7h52m59s
